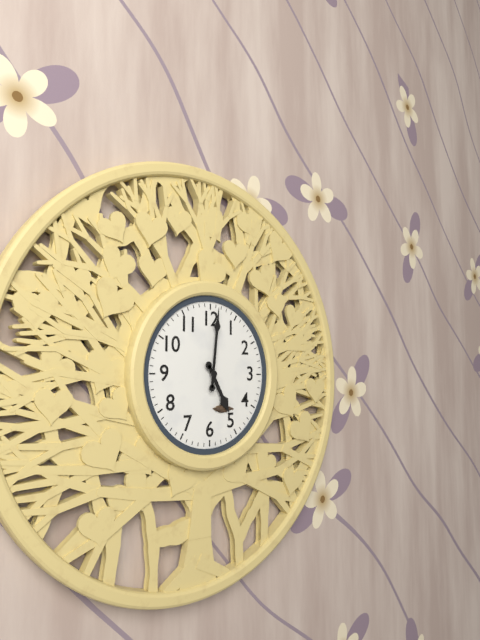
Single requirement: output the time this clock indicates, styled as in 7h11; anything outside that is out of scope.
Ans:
5h01
